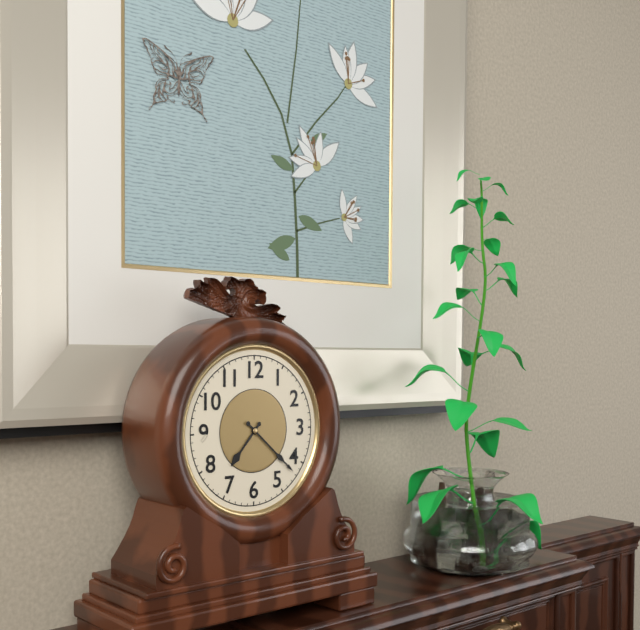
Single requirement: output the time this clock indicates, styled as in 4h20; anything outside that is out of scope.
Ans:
7h22
